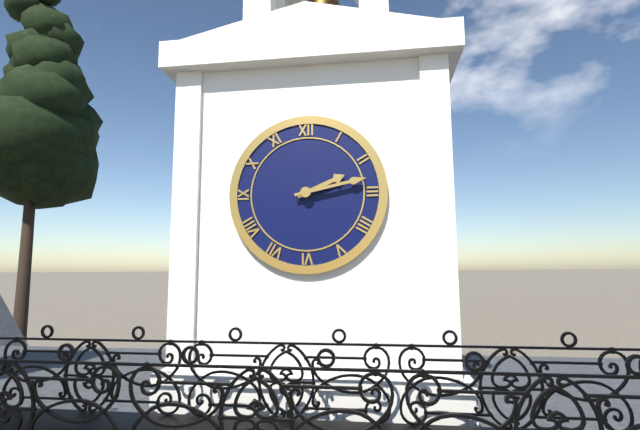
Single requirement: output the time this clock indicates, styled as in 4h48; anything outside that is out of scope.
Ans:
2h13
